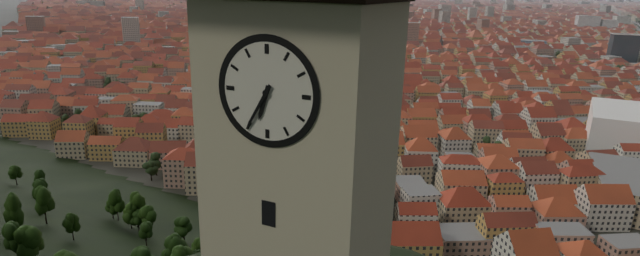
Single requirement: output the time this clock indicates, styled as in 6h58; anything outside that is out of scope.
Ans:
6h35
